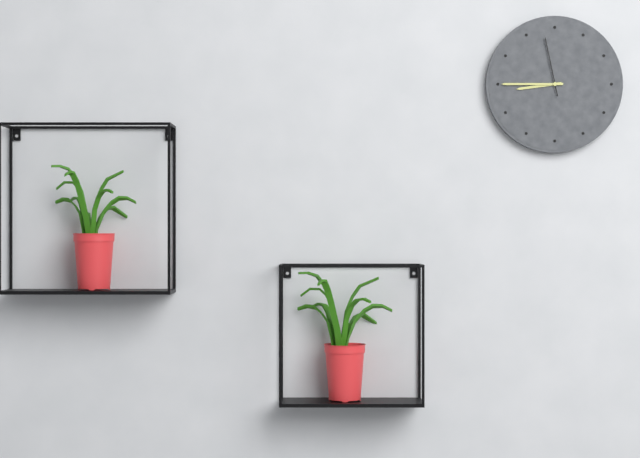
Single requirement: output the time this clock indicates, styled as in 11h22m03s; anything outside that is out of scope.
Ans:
8h45m58s
